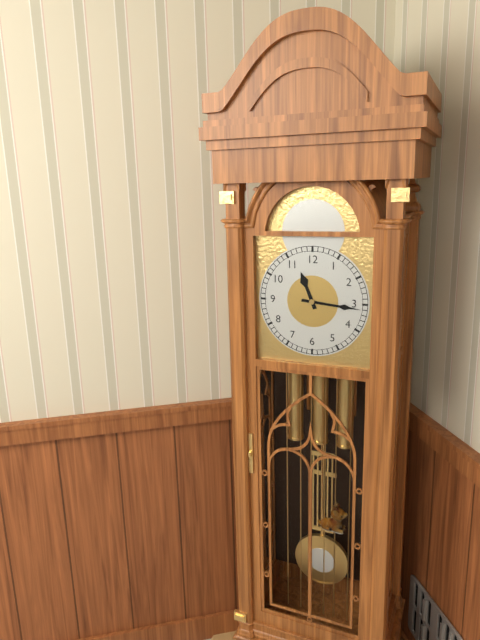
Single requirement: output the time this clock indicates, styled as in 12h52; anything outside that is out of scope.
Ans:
11h16
